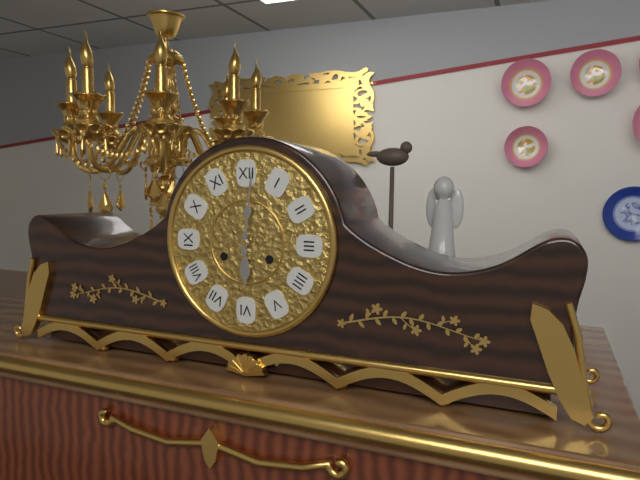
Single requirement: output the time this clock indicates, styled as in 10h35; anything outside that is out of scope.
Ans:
6h01
